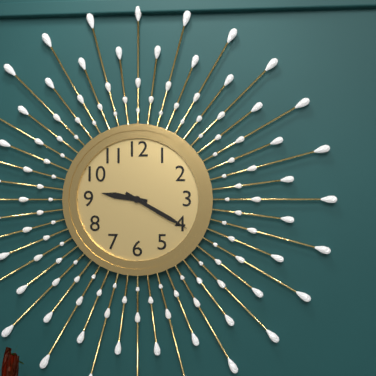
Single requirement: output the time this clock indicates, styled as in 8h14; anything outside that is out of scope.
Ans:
9h20
